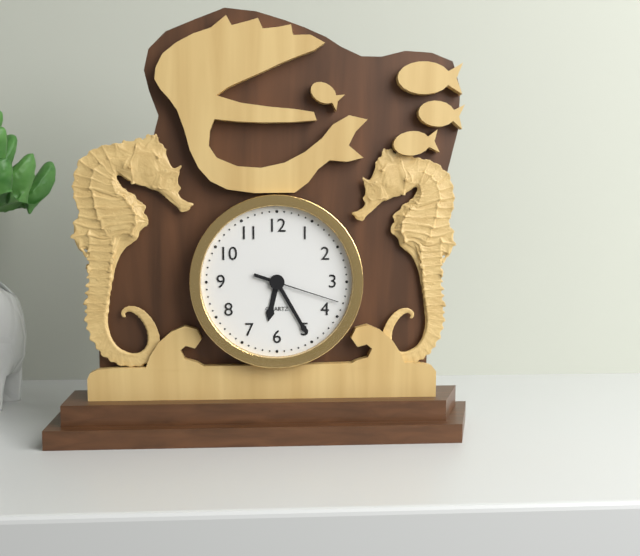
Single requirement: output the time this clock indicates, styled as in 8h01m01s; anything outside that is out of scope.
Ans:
6h25m18s
